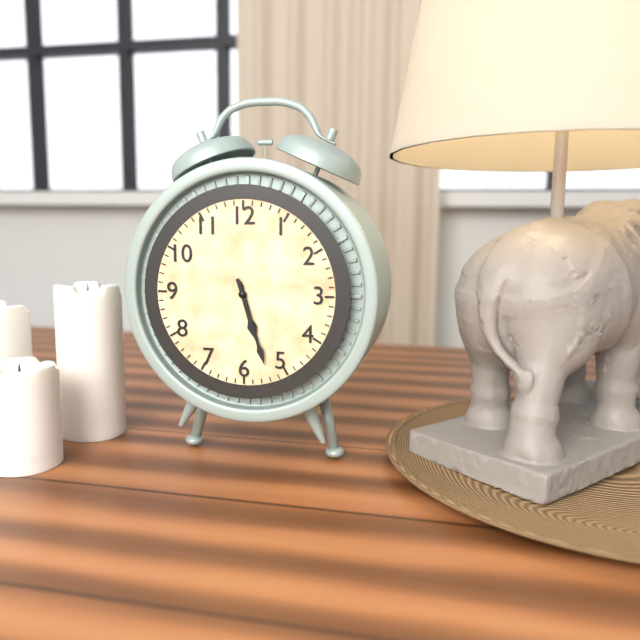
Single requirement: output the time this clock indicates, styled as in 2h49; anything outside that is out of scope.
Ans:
5h27
